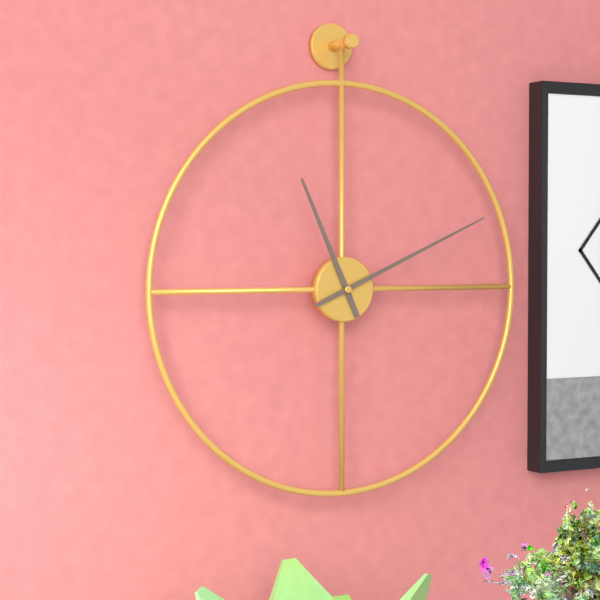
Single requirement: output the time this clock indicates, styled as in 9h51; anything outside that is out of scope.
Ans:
11h11
